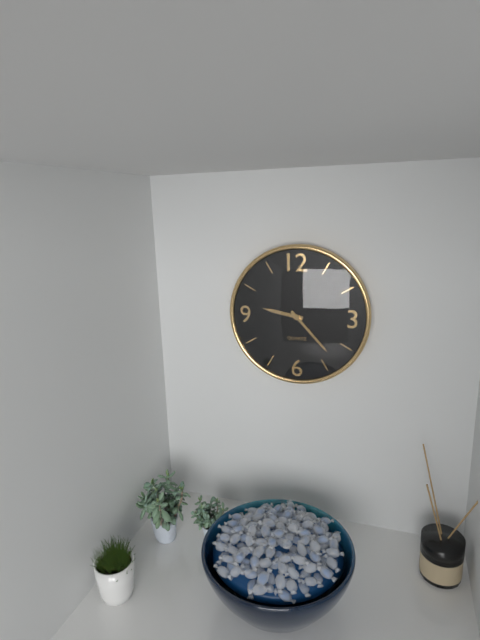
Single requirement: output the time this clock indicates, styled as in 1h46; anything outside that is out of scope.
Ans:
9h23
